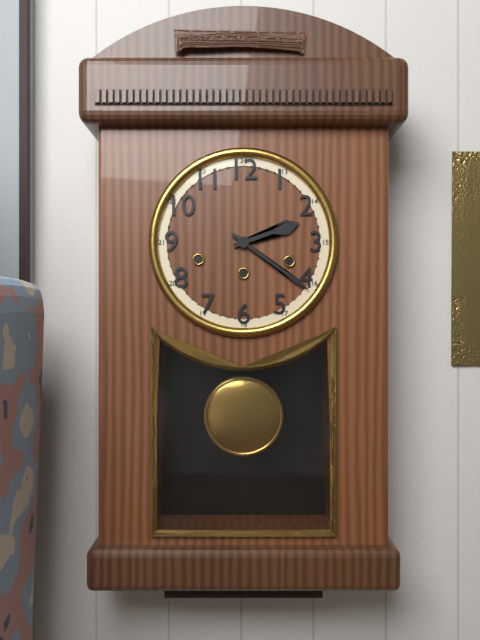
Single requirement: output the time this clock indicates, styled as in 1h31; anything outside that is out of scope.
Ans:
2h21
